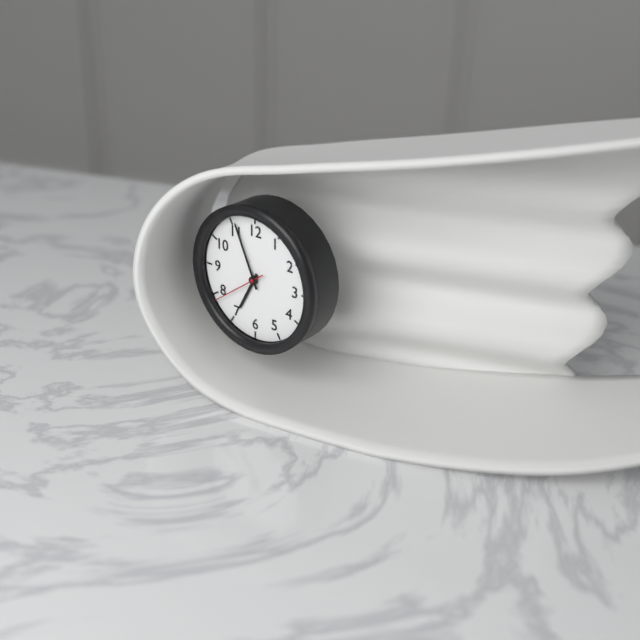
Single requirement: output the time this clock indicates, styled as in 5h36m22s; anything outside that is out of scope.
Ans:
6h56m39s
